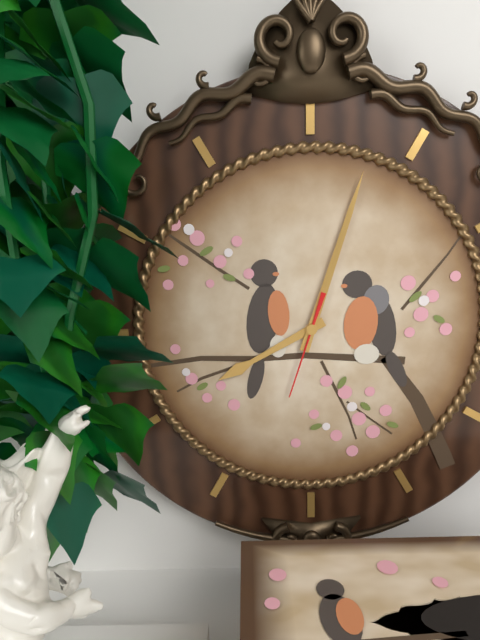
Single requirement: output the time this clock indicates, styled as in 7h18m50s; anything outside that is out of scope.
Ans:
8h03m33s
